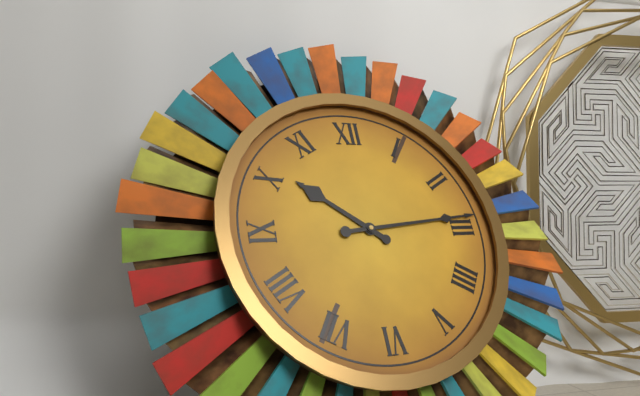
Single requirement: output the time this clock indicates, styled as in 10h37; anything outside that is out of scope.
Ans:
10h14
